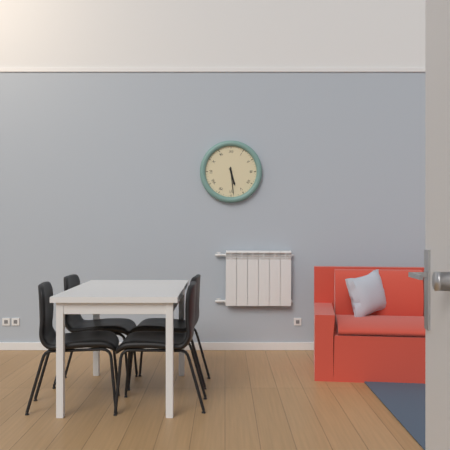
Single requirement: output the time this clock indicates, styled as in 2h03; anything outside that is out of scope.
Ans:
5h29
